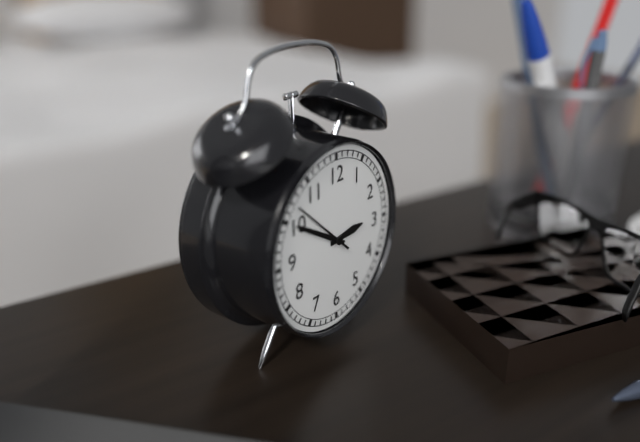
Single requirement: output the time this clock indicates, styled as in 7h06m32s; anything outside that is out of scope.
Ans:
2h50m52s
